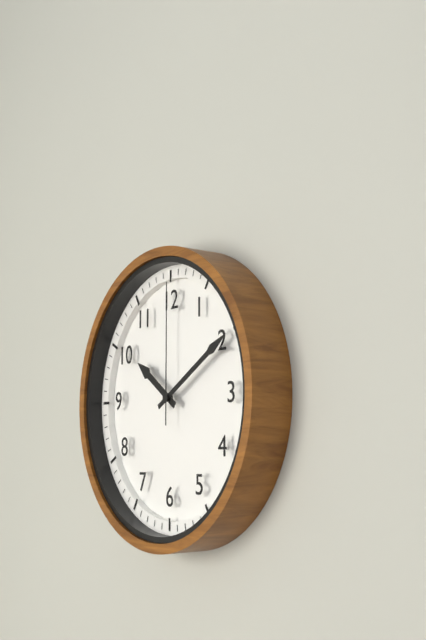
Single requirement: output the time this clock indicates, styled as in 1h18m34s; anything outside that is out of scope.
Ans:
10h10m00s
